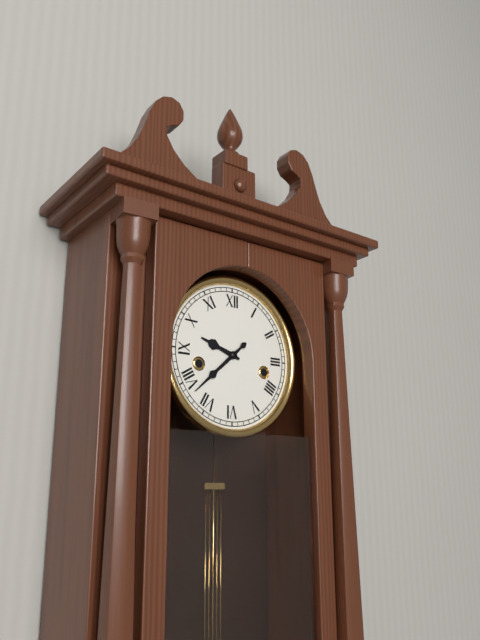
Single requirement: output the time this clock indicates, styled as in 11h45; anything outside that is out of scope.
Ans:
9h38
